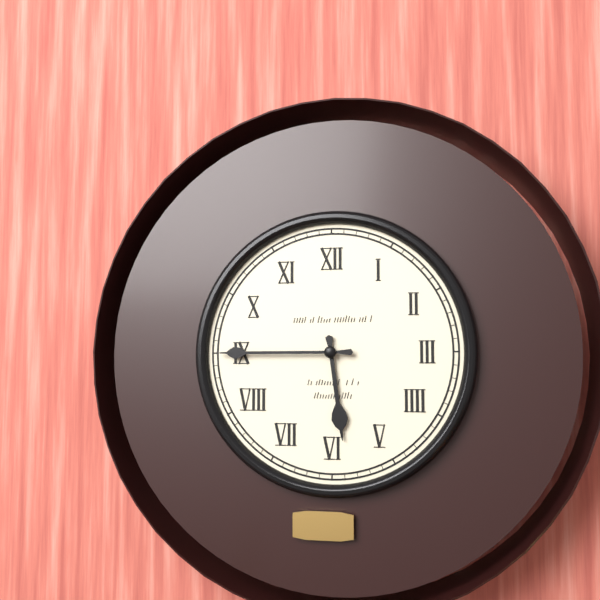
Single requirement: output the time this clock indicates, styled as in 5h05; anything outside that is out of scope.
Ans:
5h45
